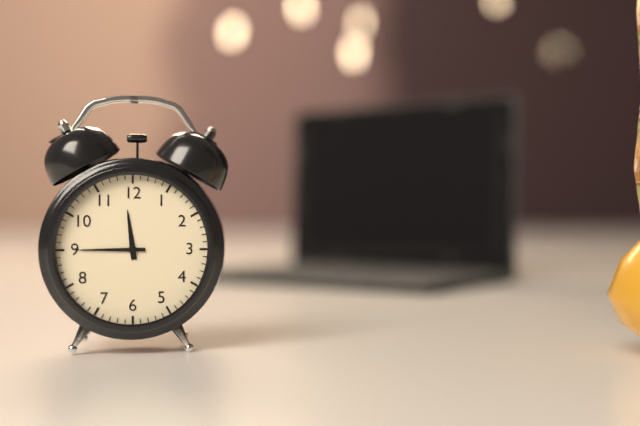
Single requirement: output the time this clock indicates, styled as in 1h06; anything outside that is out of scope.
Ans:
11h45
